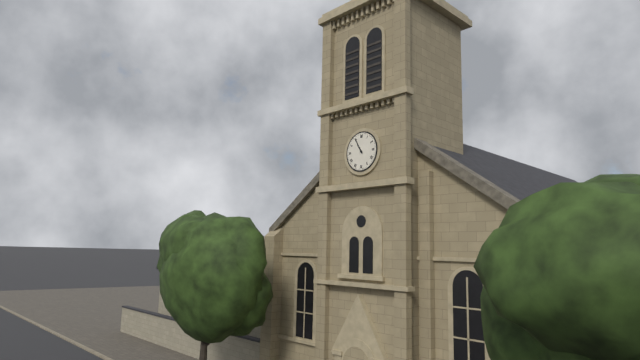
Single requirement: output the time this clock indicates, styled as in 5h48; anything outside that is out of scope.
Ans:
10h55
